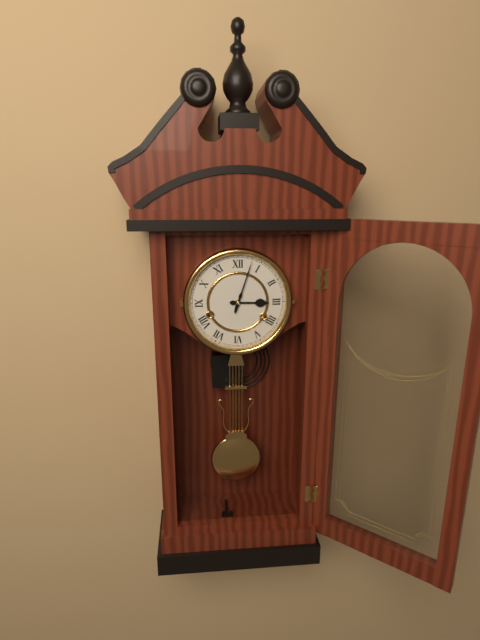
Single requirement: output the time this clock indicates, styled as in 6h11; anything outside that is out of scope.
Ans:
3h03
